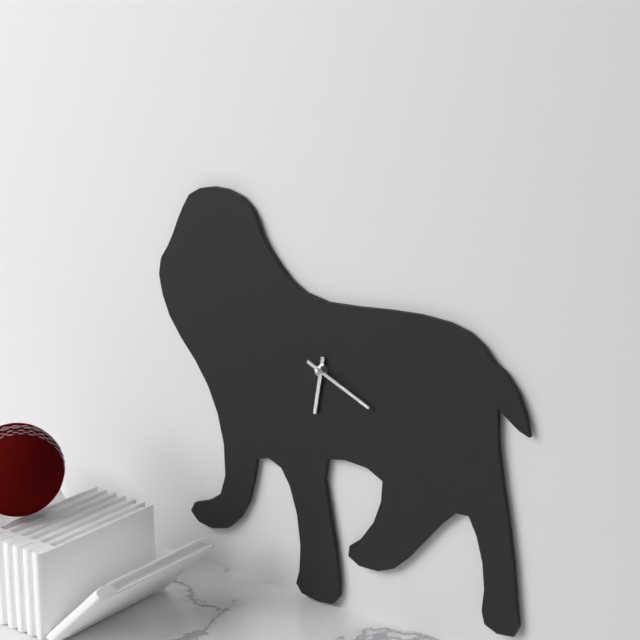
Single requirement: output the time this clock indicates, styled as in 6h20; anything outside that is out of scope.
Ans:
6h19
